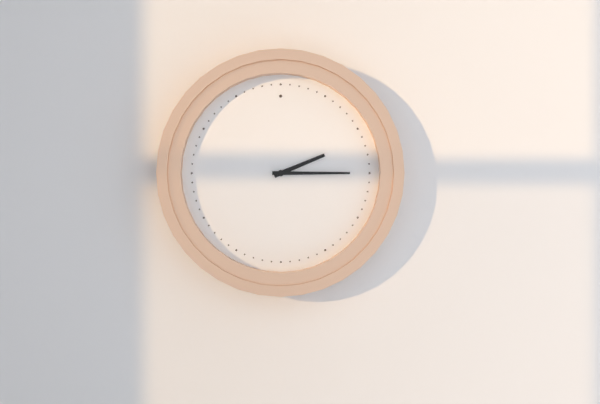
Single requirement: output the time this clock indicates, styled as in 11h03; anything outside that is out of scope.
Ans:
2h15
